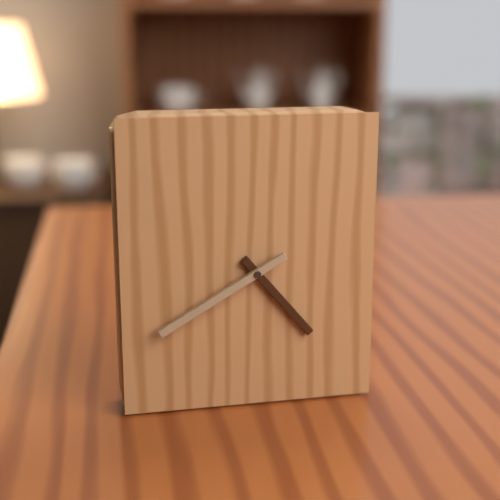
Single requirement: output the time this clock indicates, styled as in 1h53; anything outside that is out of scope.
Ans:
4h40
